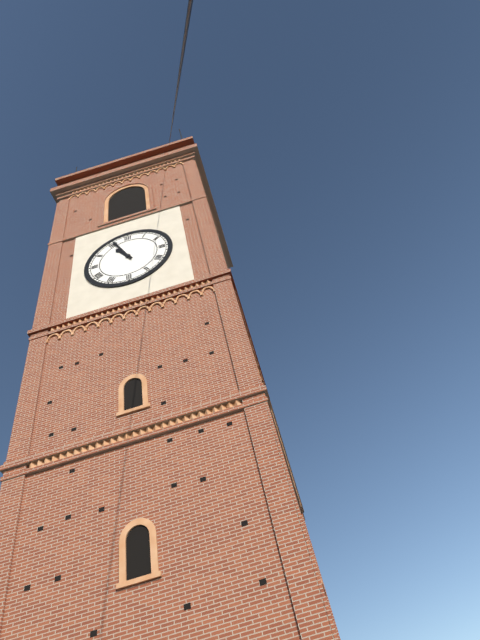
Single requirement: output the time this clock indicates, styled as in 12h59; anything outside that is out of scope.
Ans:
10h56
